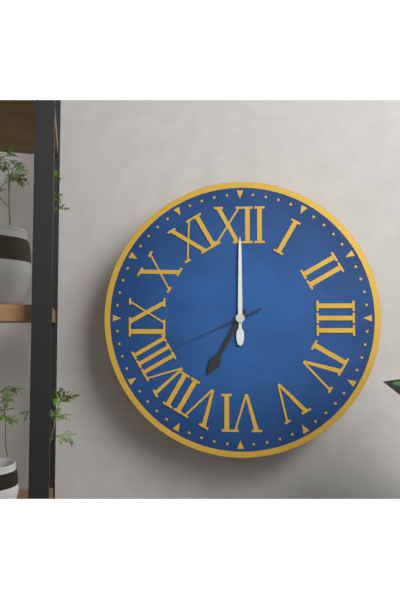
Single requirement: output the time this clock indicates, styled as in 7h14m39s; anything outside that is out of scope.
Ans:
7h00m41s
